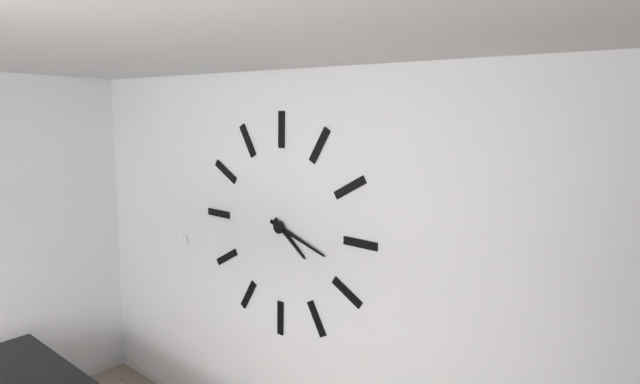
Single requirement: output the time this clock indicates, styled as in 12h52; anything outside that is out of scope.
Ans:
4h18
